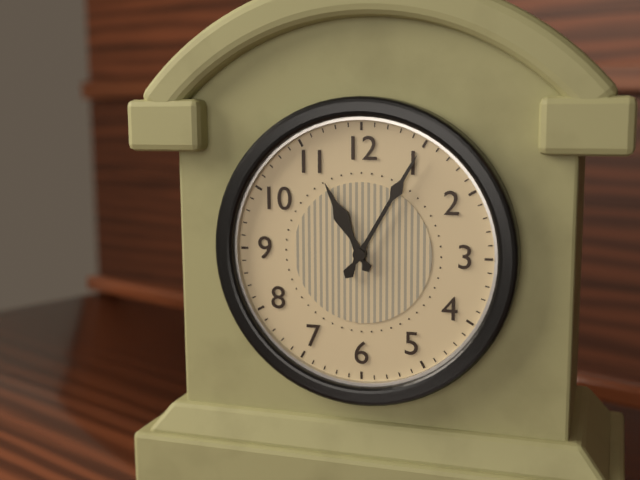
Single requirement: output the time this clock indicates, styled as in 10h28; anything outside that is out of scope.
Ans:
11h05
